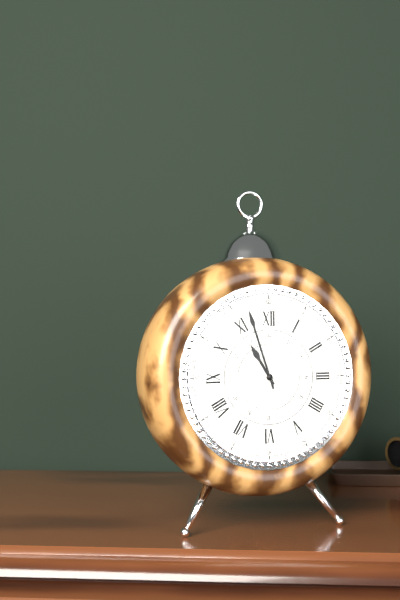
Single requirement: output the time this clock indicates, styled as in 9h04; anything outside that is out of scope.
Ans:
10h57
